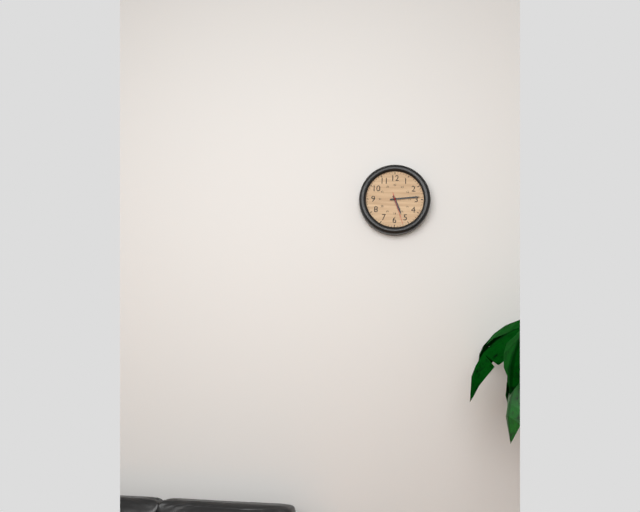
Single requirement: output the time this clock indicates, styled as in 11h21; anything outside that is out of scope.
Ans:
5h14
